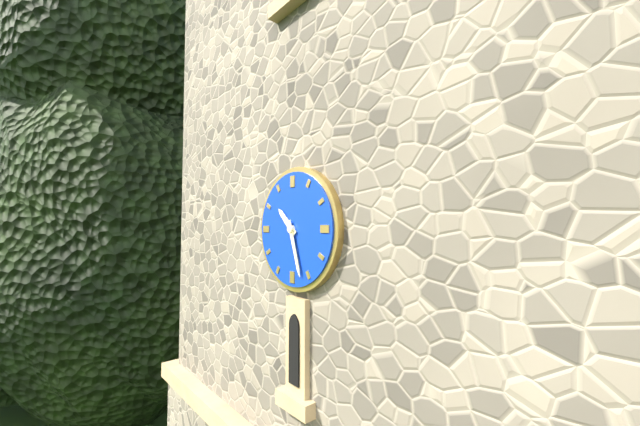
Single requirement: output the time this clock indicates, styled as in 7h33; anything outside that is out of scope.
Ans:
10h27
